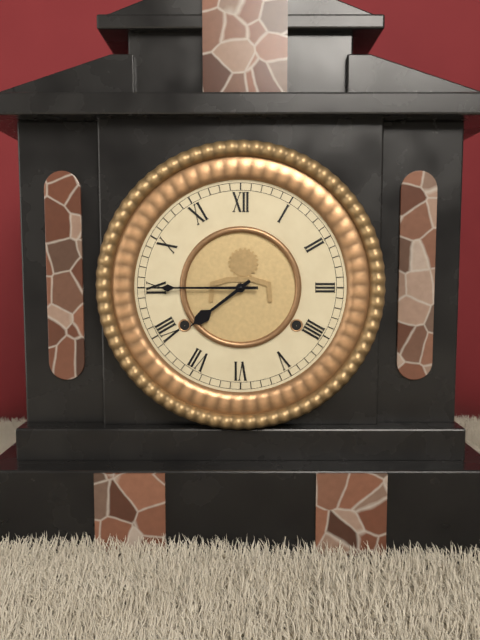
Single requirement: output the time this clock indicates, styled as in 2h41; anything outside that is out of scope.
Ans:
7h45
